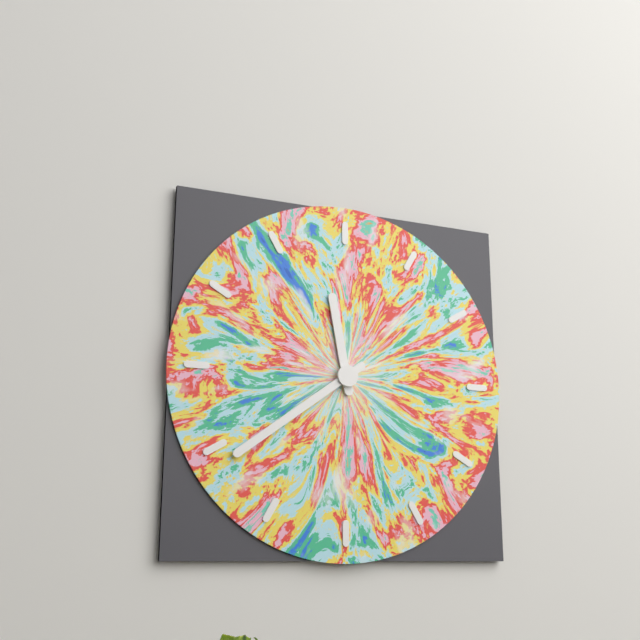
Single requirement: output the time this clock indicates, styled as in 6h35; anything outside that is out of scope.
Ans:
11h39
